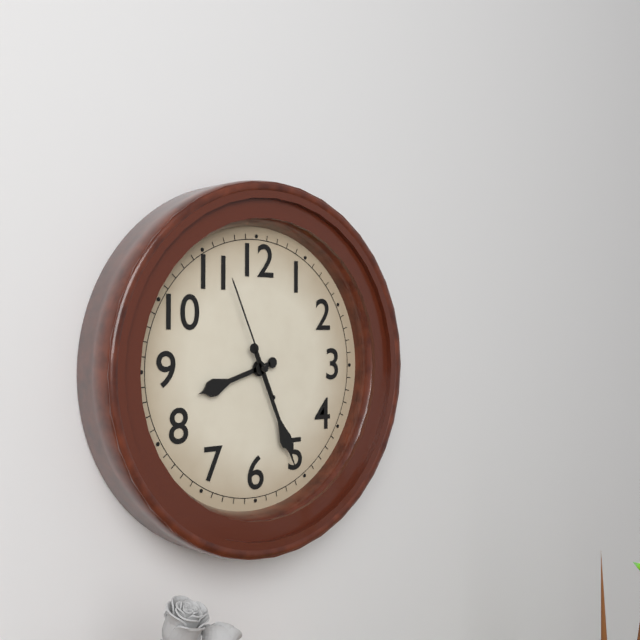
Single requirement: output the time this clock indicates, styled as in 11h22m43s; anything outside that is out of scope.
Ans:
8h26m56s
